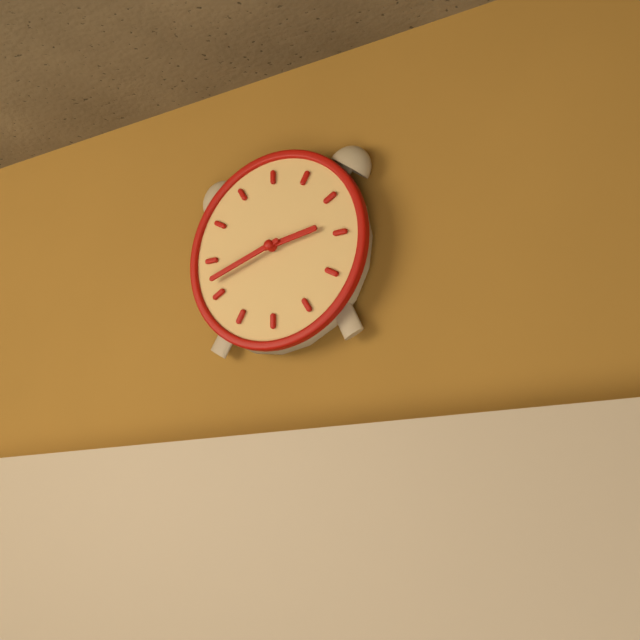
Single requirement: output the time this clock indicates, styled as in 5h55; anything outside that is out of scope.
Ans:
2h42
